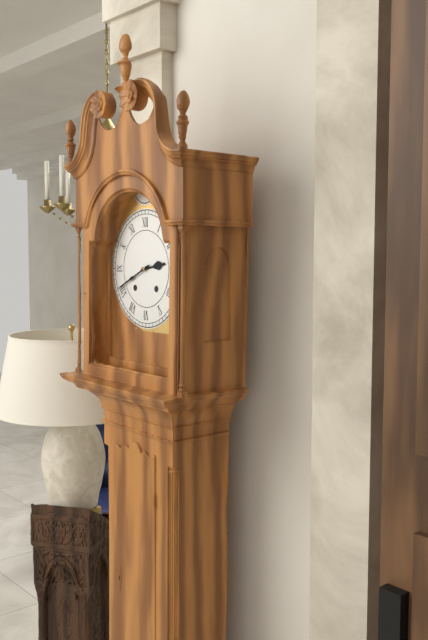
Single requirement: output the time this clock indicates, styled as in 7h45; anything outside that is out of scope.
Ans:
2h41
